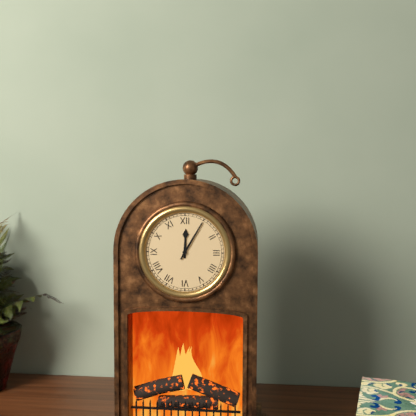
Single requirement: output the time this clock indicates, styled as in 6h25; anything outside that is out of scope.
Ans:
12h05
